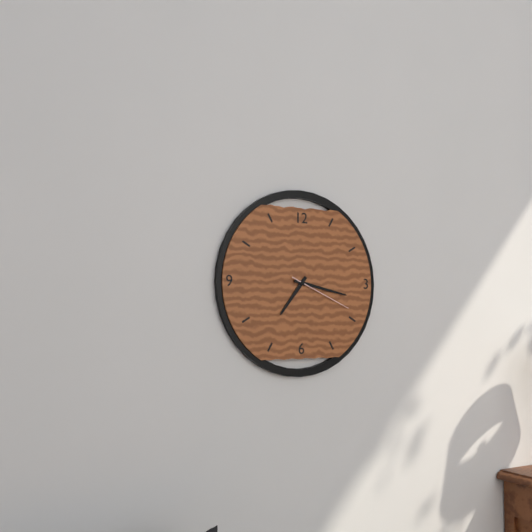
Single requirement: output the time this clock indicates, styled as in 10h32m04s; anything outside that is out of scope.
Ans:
7h17m19s
